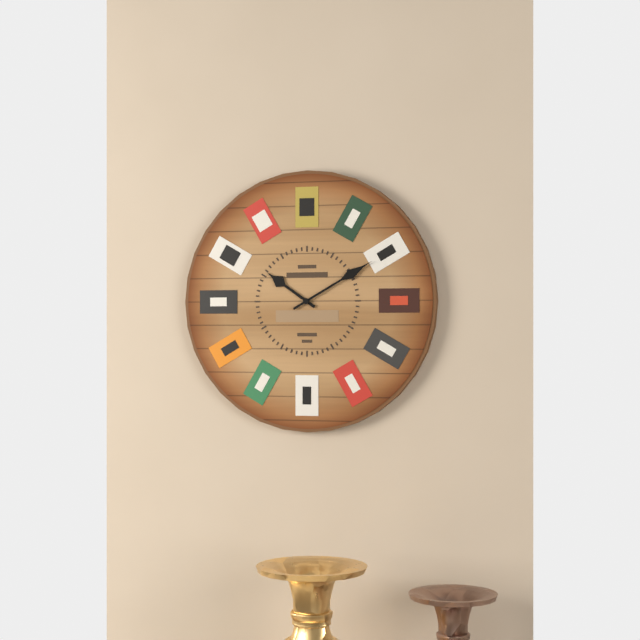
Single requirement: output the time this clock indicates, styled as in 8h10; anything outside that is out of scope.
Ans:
10h10
